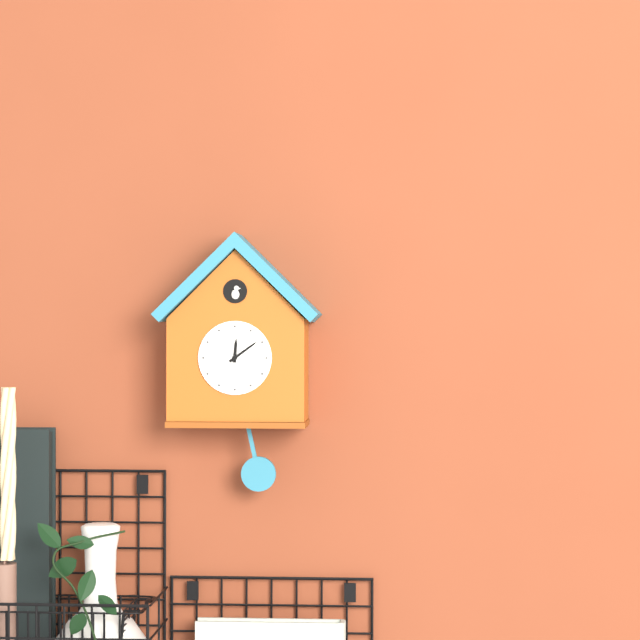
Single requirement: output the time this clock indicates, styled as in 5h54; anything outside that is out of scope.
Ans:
12h09
